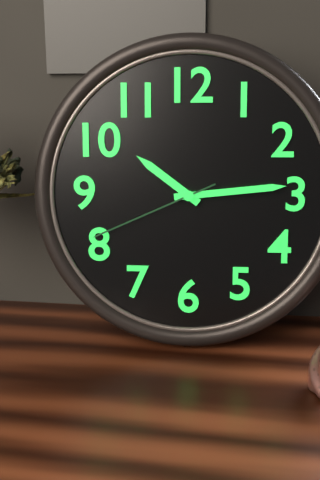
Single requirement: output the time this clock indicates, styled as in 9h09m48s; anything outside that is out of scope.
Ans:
10h14m41s
